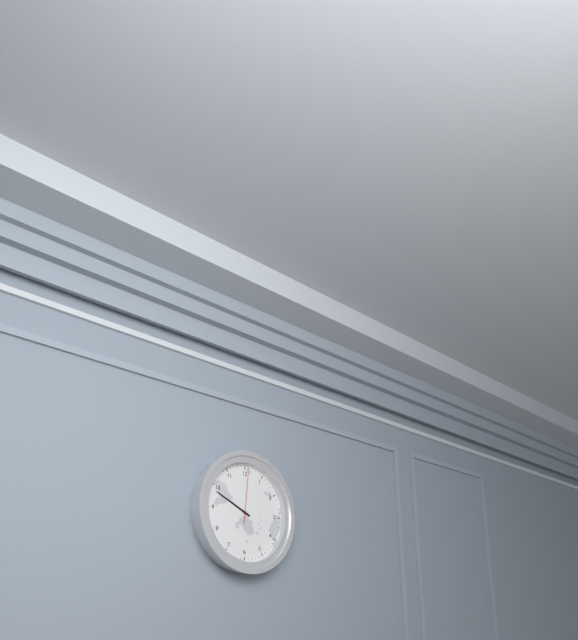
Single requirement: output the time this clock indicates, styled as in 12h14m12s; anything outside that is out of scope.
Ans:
9h49m01s
